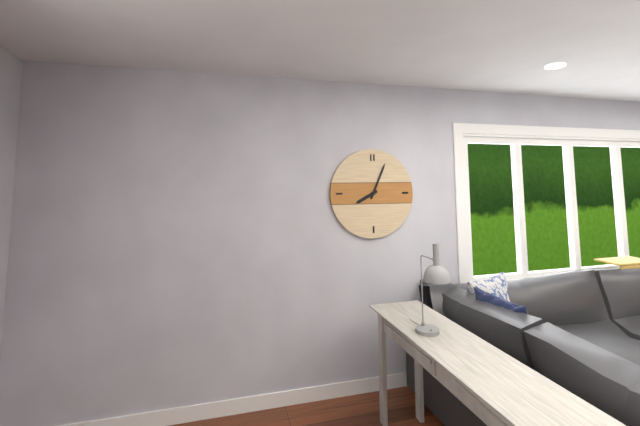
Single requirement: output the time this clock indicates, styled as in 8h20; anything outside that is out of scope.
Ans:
8h04
